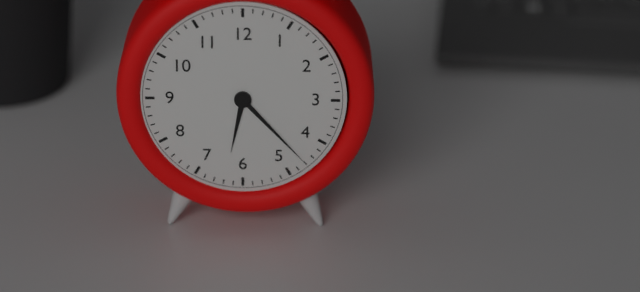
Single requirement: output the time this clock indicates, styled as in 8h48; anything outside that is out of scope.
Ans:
6h23
